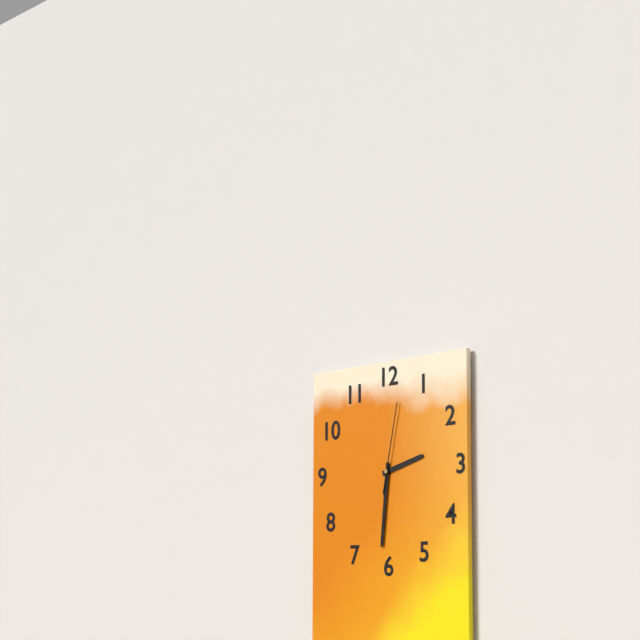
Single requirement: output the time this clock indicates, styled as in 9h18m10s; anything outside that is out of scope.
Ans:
2h31m02s
